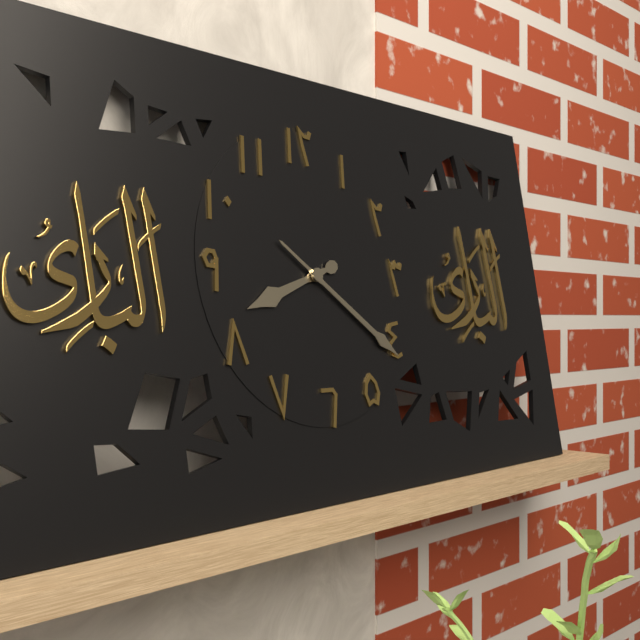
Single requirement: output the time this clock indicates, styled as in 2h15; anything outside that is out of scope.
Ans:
8h21
